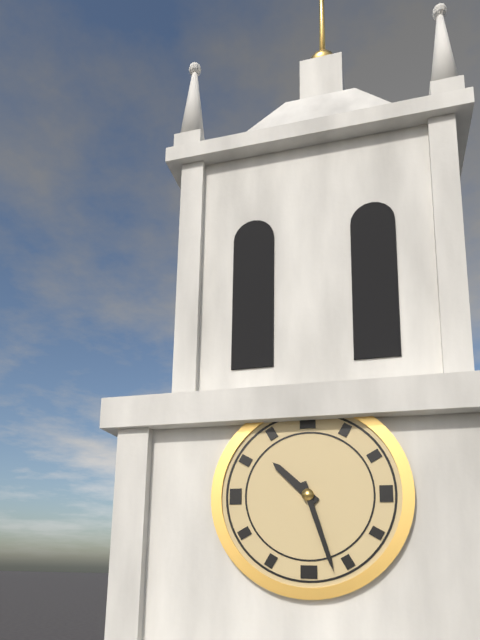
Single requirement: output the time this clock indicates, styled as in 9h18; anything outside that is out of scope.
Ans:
10h27
